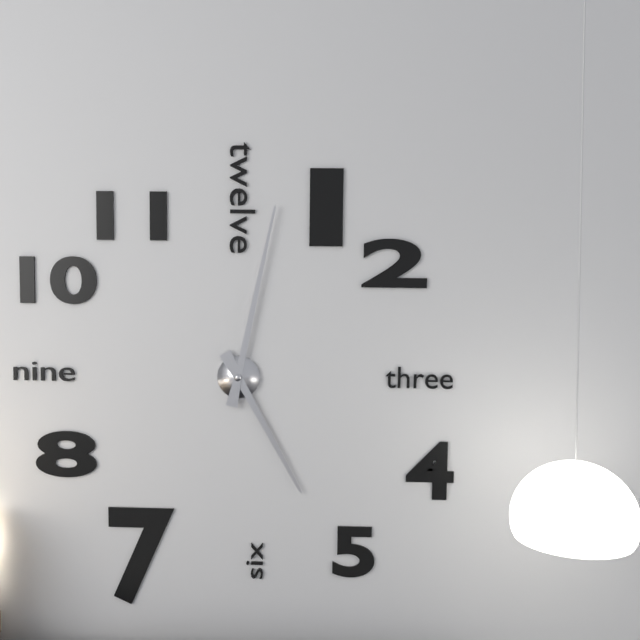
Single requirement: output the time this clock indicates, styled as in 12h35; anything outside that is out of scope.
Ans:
5h02
